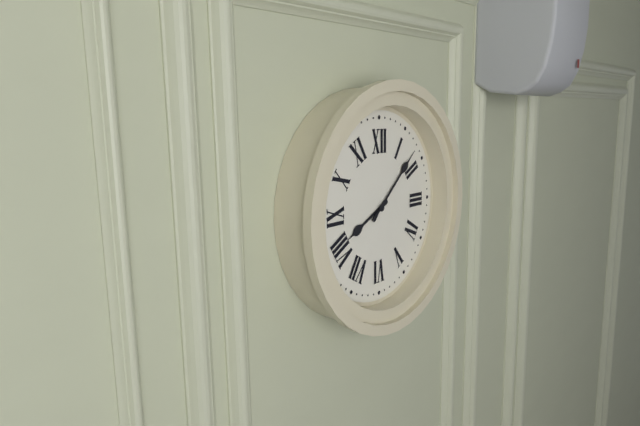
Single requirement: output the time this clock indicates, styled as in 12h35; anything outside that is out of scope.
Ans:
8h08
